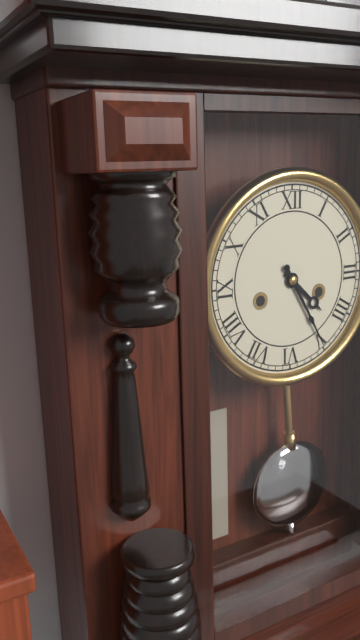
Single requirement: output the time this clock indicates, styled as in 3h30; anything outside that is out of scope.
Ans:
4h25
